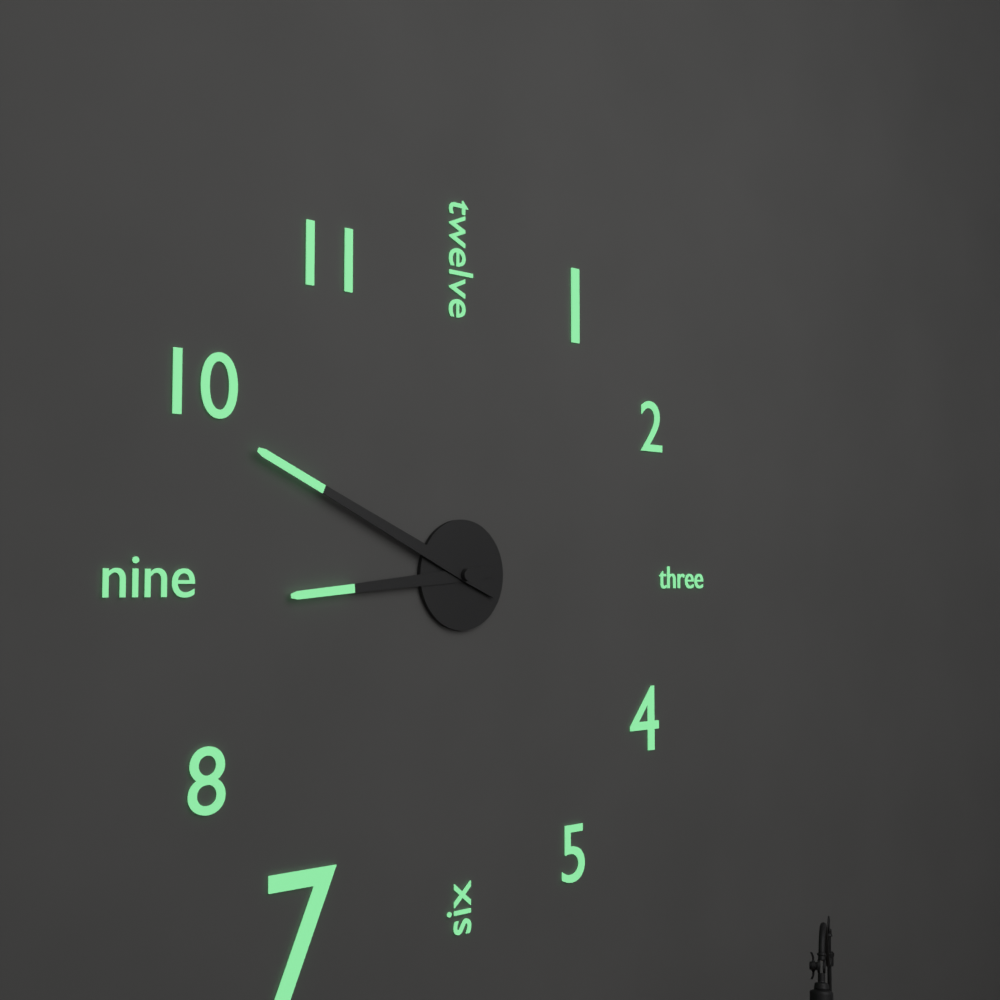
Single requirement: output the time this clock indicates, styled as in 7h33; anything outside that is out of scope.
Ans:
8h49
